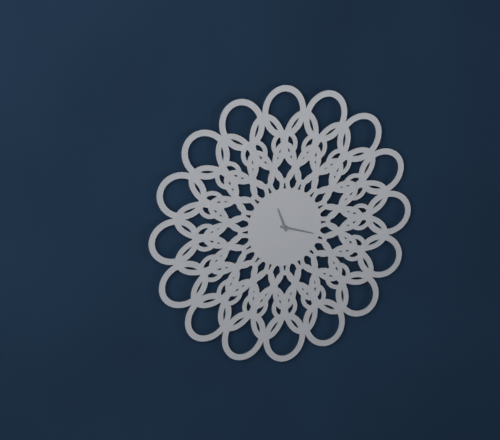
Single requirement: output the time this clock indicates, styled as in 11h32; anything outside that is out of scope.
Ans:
11h18
